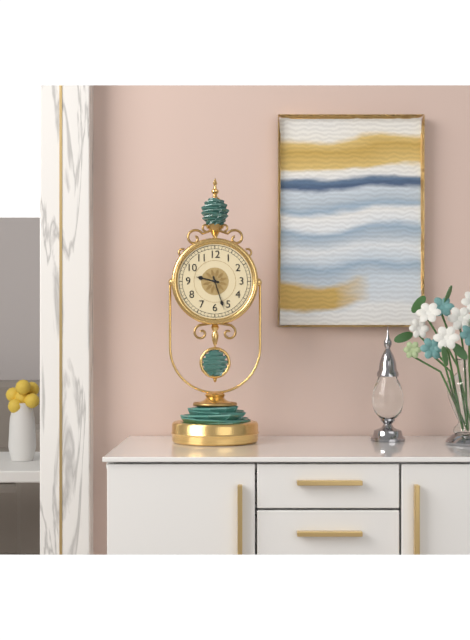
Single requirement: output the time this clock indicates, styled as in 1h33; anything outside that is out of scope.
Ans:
9h27
